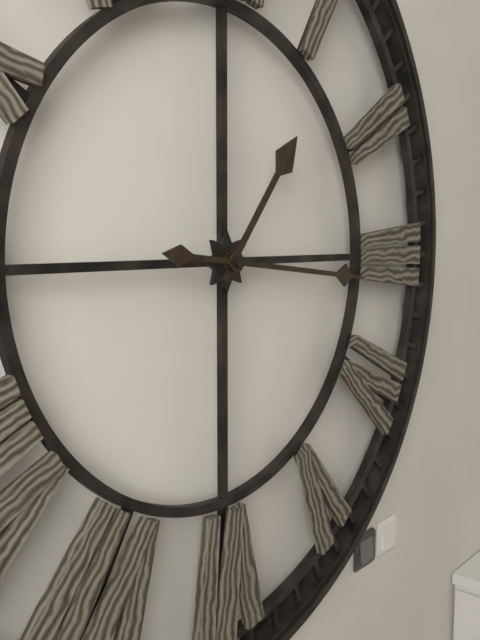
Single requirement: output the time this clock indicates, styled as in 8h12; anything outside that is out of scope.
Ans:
1h16
